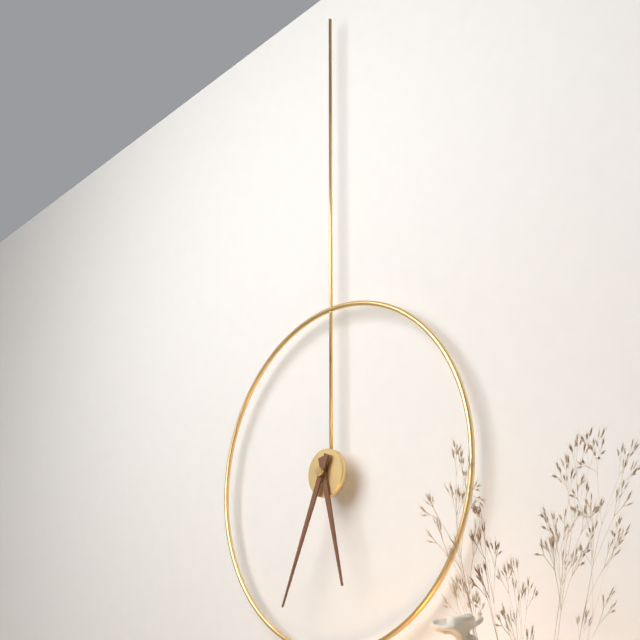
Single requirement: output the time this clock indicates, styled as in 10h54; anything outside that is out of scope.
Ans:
5h34
